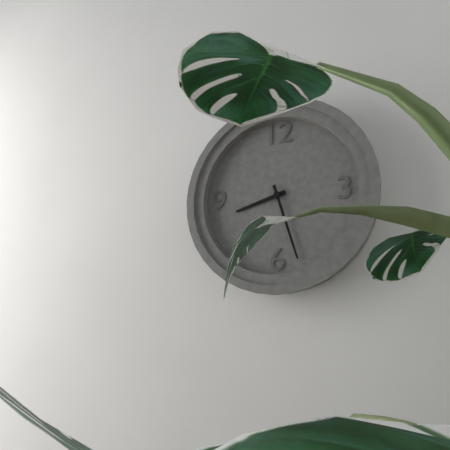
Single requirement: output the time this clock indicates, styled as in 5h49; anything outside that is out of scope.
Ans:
8h27
